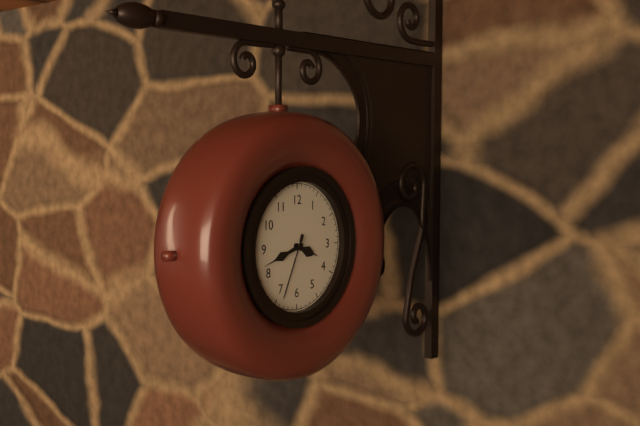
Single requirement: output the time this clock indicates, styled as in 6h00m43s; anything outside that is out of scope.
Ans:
3h42m34s
